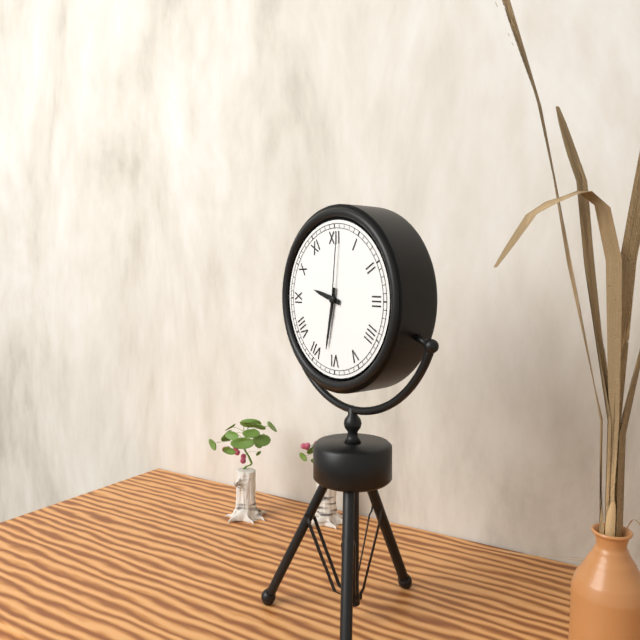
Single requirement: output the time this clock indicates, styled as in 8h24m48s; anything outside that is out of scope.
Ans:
9h32m01s
